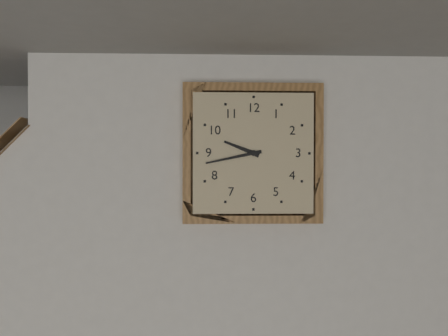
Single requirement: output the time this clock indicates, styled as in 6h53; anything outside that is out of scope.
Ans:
9h43
